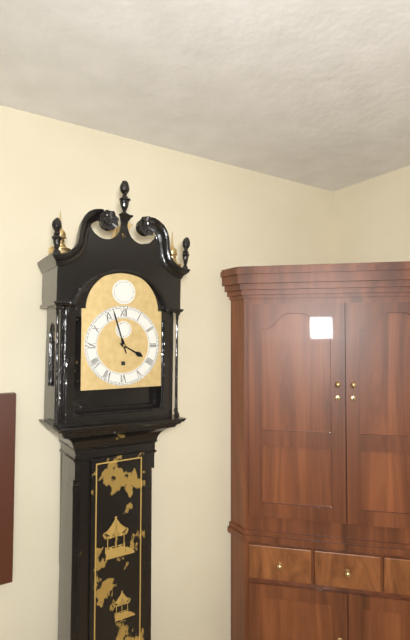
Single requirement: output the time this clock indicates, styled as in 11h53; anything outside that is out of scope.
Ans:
3h57
